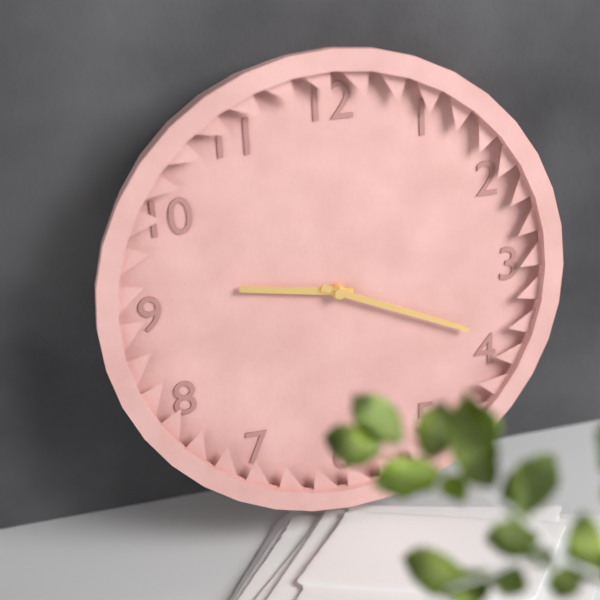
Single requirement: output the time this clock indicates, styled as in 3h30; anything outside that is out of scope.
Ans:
9h19
